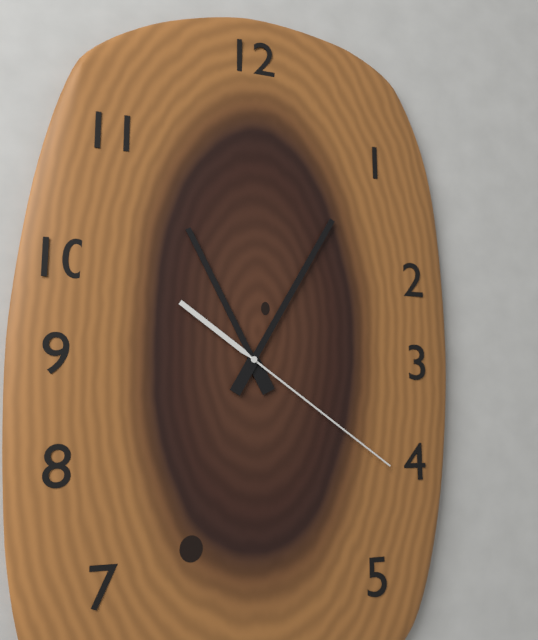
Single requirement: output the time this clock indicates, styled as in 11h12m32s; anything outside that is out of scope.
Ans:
11h05m21s
